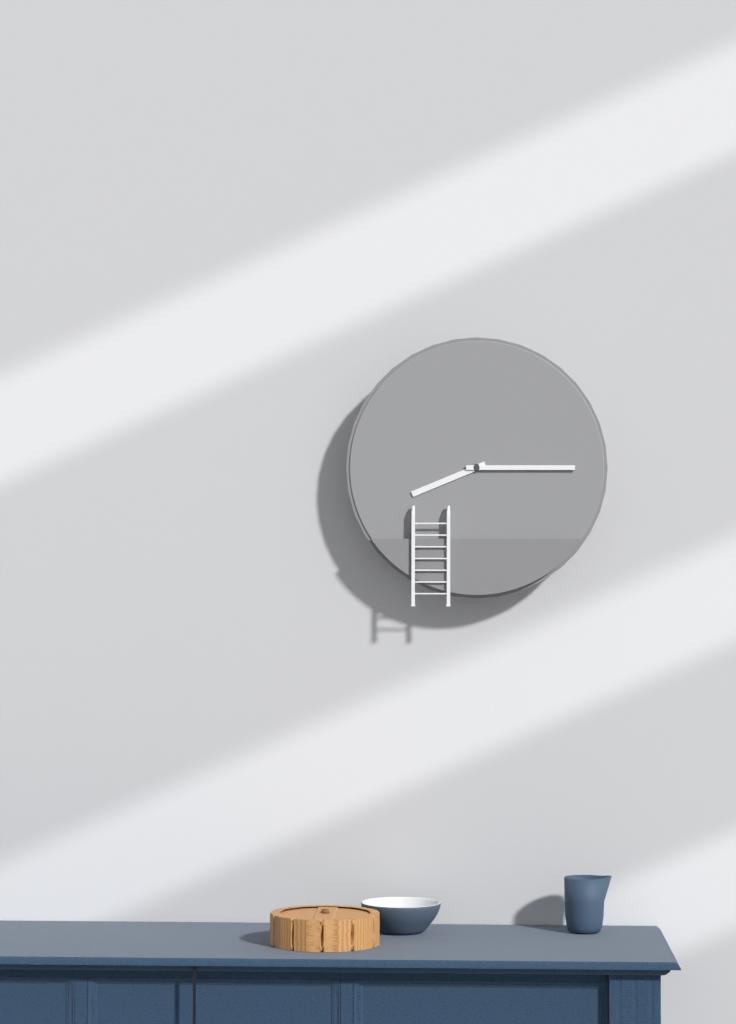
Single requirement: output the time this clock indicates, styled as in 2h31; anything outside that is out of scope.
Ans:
8h15
